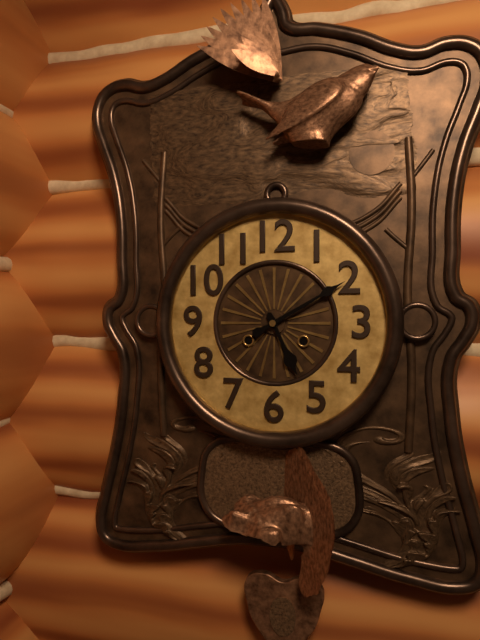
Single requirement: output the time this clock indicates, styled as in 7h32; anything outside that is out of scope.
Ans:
5h10
